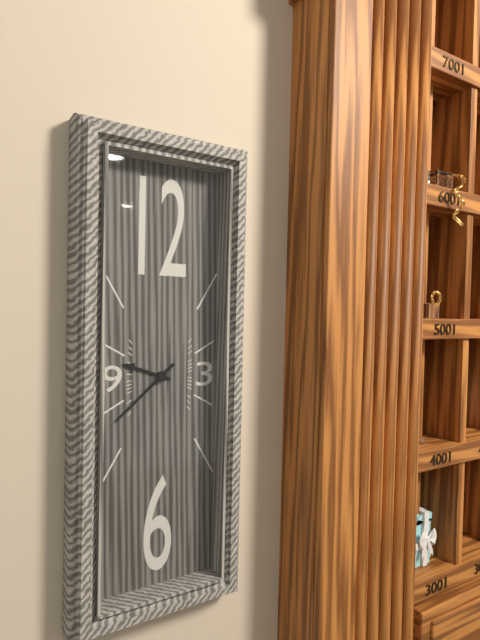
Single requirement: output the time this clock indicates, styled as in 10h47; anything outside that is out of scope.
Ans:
9h38
